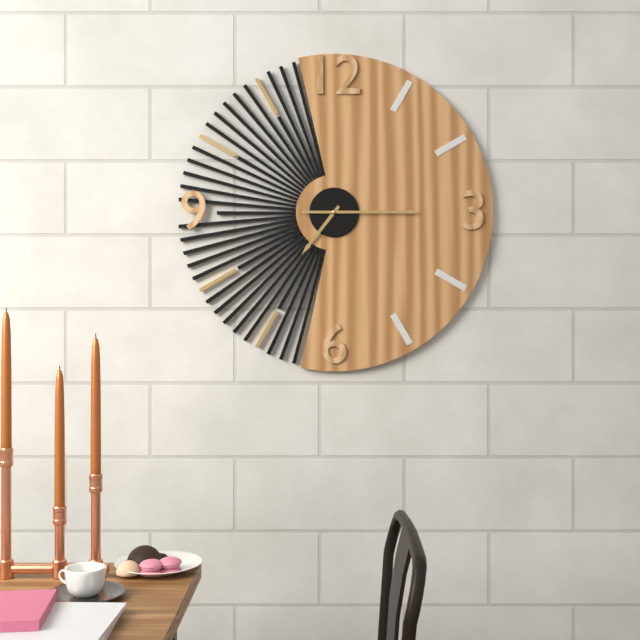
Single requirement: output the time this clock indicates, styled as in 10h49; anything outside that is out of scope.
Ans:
7h15
